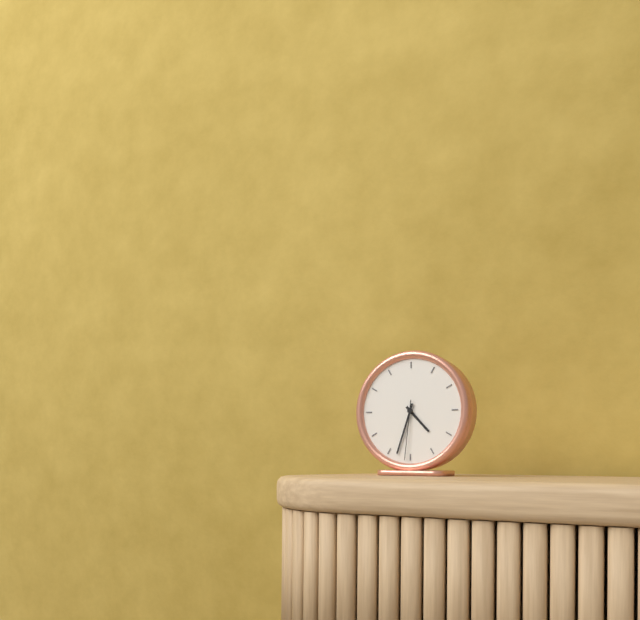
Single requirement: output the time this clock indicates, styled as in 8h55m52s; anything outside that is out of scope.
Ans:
4h33m31s
